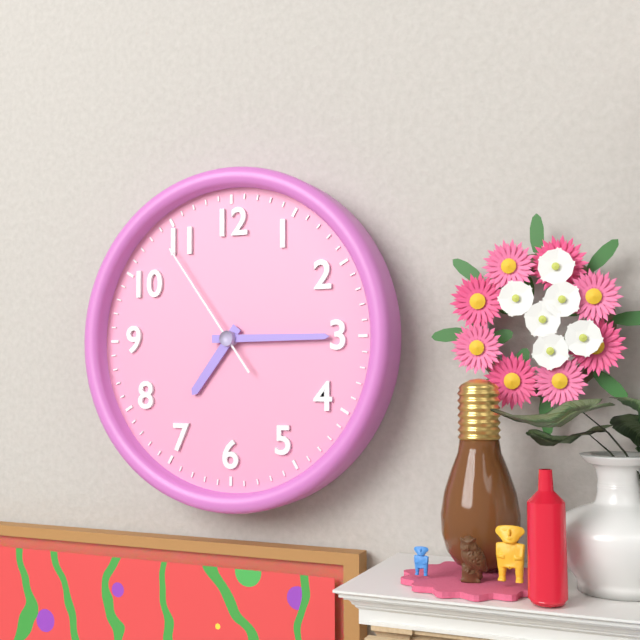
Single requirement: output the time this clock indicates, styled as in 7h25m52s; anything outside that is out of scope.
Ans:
7h15m54s
